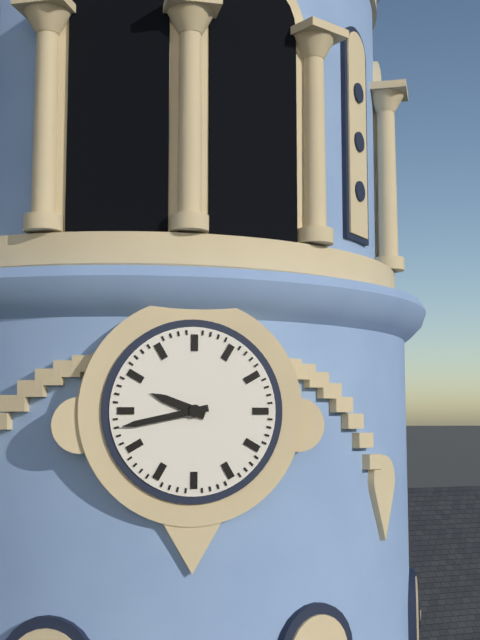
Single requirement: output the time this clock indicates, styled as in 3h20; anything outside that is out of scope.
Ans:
9h43
